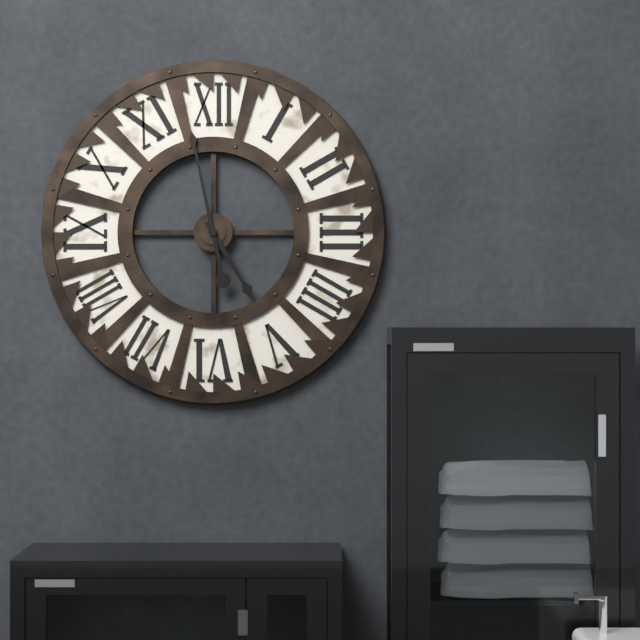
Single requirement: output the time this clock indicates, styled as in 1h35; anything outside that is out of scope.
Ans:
4h58
